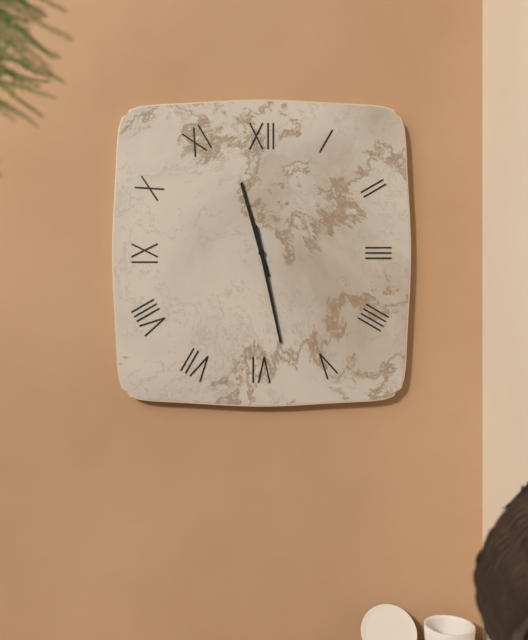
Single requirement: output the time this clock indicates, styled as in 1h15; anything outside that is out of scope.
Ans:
11h28
